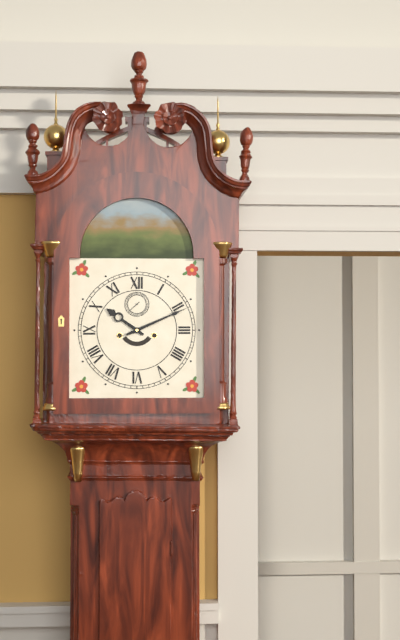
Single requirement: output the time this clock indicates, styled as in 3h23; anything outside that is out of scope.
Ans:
10h11
